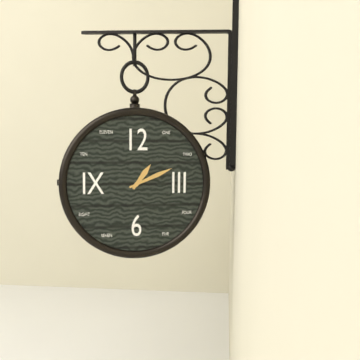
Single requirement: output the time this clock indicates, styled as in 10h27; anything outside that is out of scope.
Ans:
1h11
